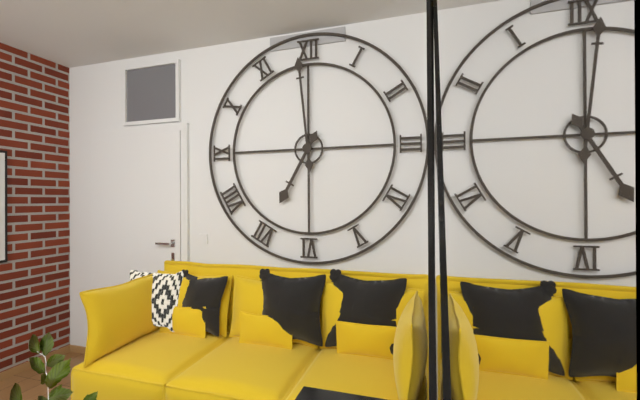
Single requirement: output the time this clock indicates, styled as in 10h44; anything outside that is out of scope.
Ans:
6h59
